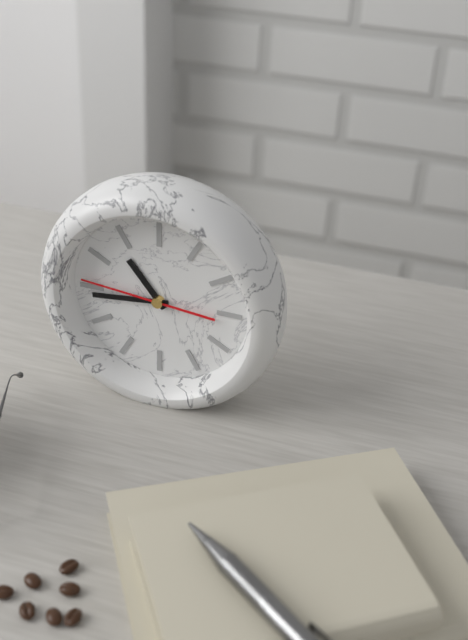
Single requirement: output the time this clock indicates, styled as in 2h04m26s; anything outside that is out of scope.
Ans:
10h44m46s
